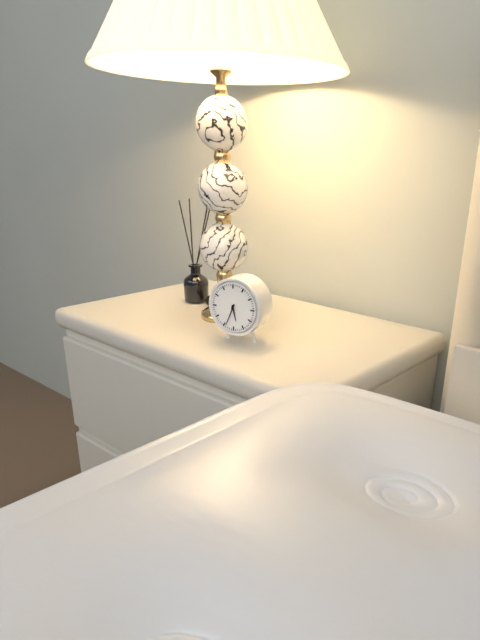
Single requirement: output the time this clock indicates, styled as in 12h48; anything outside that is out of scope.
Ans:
5h34
